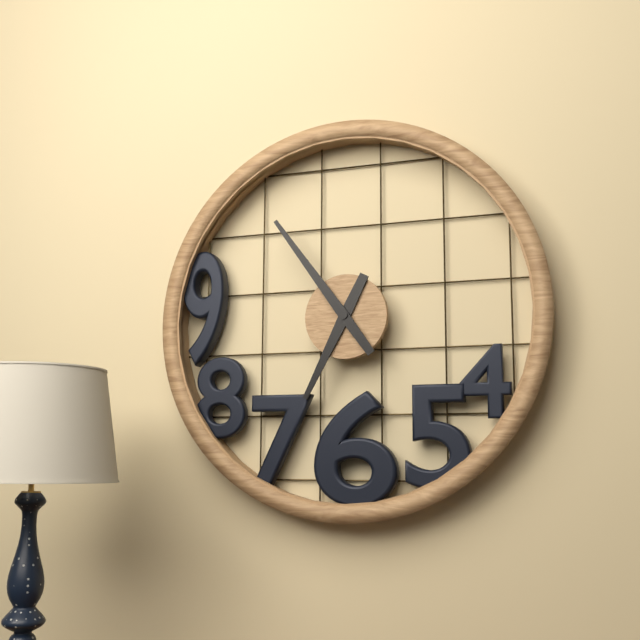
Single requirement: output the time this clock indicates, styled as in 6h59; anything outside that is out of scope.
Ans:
6h54
